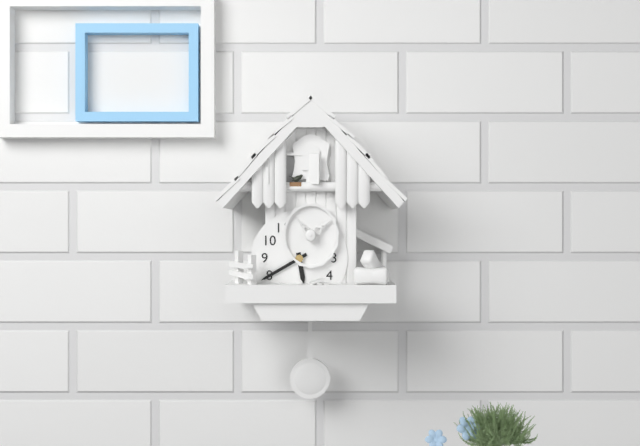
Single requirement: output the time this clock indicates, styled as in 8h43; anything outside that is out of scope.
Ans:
5h40
